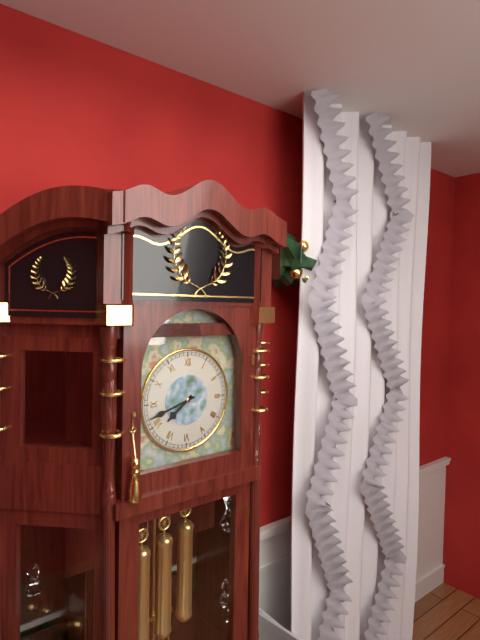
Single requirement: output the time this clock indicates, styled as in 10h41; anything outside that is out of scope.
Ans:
7h42
